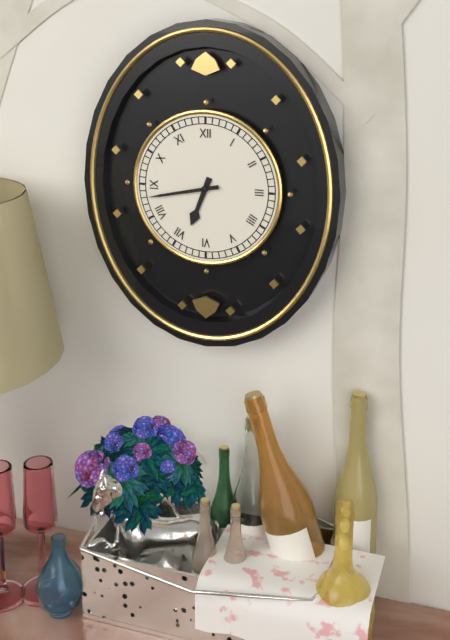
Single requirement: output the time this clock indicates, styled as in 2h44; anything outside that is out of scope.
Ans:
6h43
